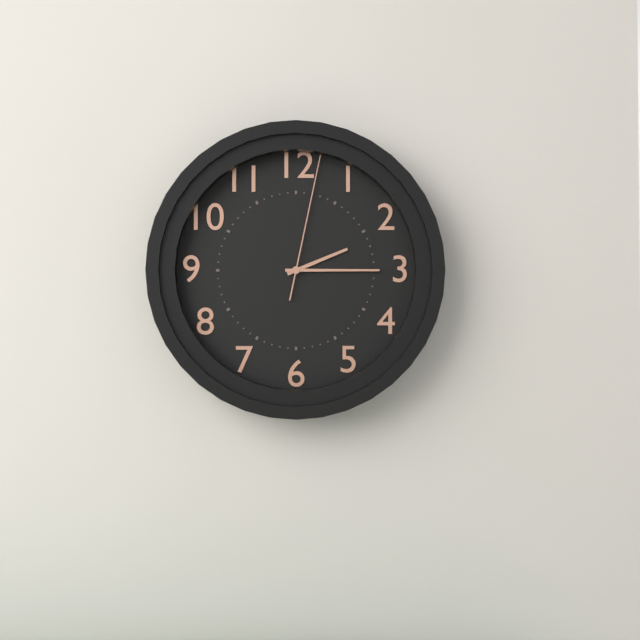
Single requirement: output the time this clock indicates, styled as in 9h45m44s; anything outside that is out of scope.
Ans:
2h15m02s
